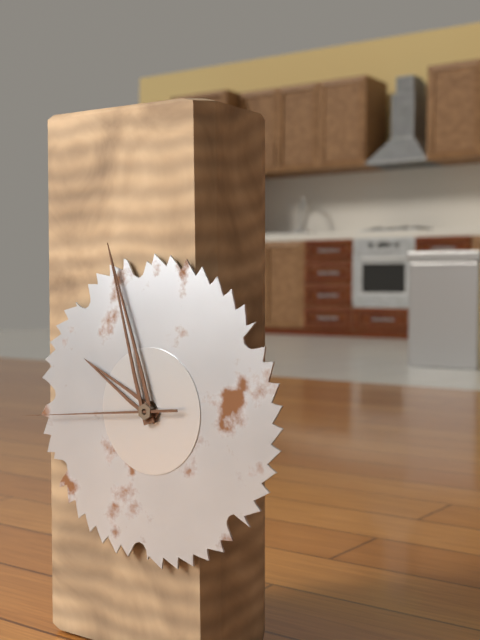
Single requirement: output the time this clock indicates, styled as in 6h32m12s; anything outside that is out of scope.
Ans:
9h57m44s
